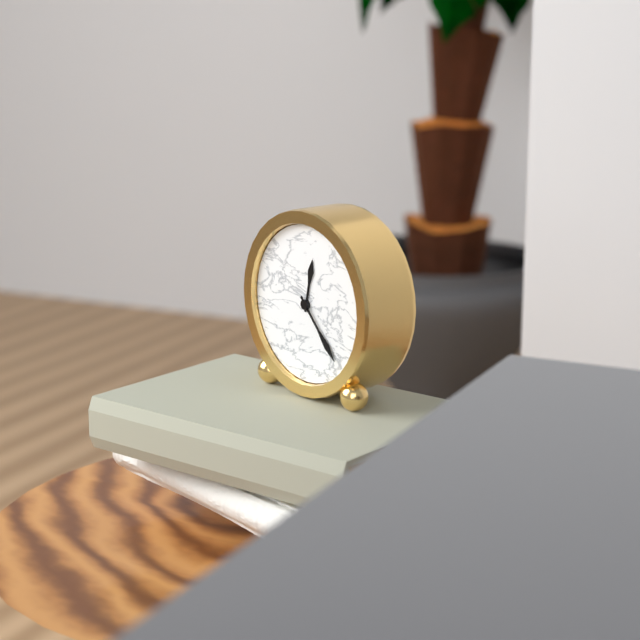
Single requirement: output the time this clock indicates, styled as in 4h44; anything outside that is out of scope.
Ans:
12h23
